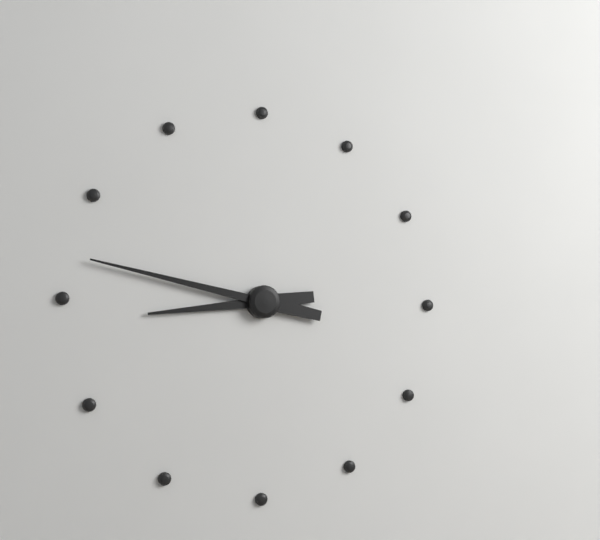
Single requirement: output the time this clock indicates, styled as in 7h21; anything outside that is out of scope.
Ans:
8h47
